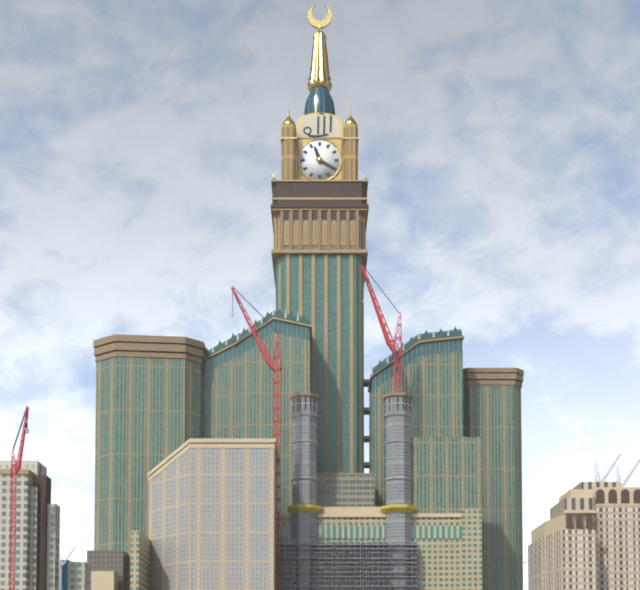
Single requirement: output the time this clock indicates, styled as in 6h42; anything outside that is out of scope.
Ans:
11h20
